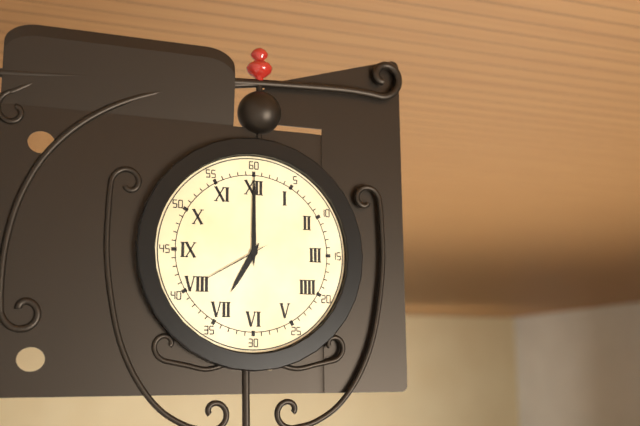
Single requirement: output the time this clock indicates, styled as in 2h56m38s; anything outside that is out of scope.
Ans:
7h00m40s
